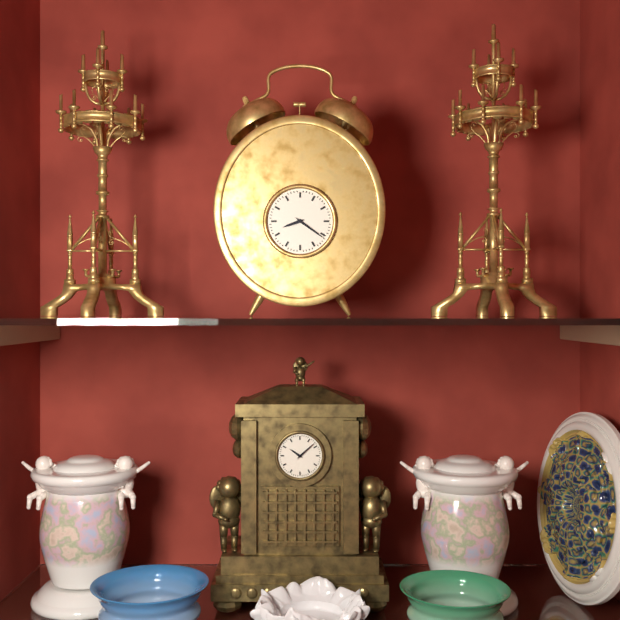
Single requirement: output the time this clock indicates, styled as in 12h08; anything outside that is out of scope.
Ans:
8h21
